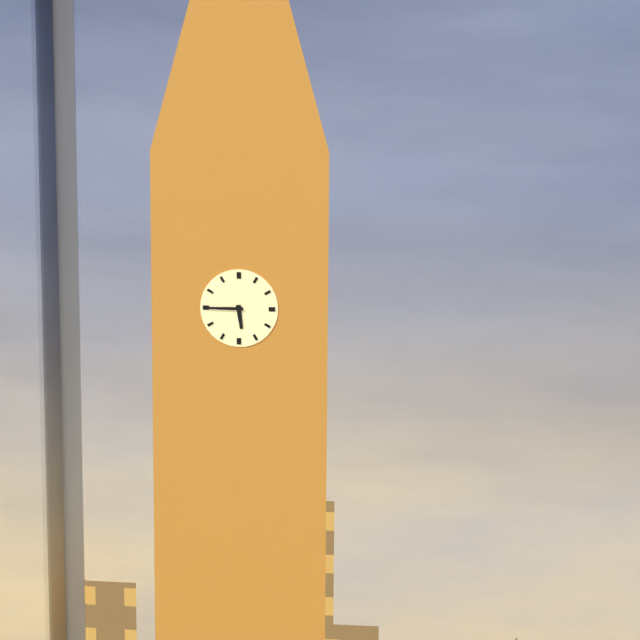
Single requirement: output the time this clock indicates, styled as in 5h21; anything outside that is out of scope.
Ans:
5h45
